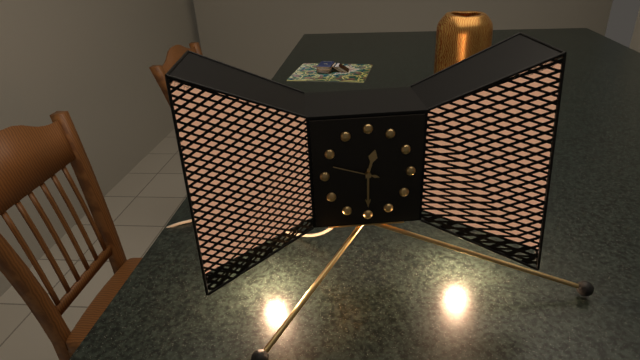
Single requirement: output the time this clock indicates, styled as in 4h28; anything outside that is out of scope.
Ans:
12h30
